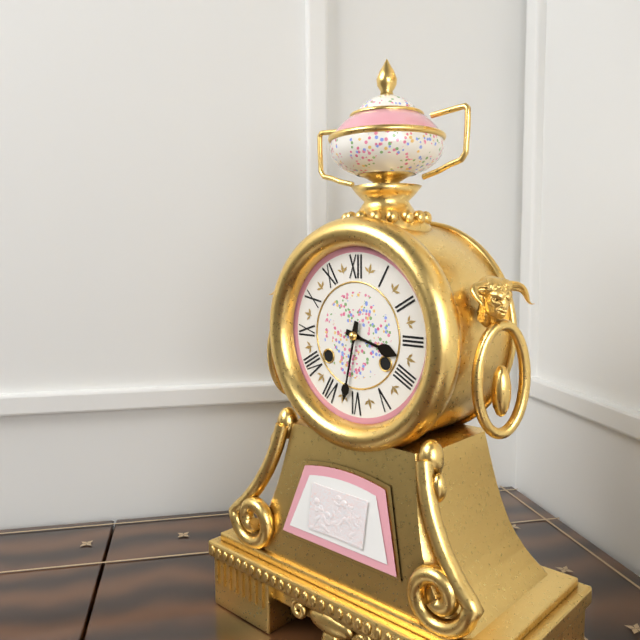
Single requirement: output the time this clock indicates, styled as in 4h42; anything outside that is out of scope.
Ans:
3h32
